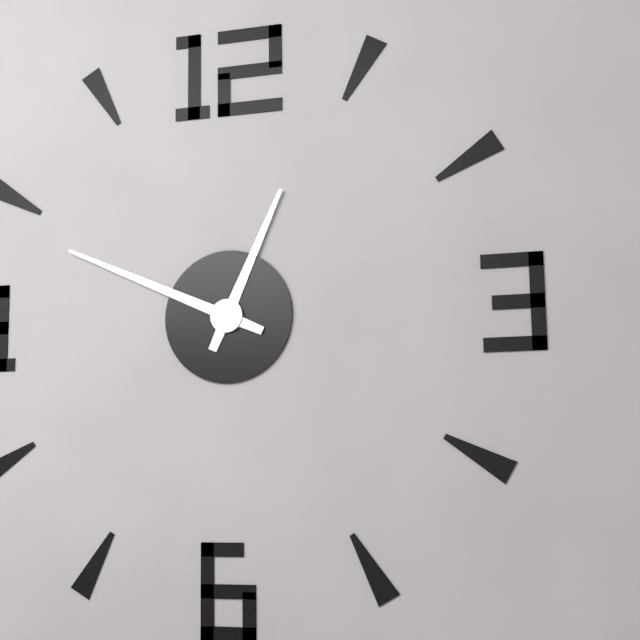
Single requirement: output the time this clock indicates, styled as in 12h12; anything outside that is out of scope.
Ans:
12h49
